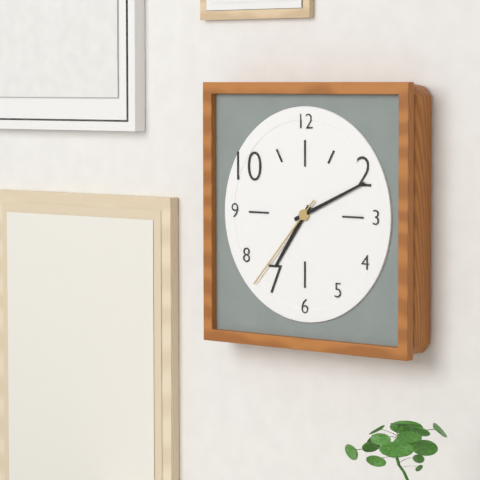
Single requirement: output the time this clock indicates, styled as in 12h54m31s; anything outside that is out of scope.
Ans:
7h11m37s
